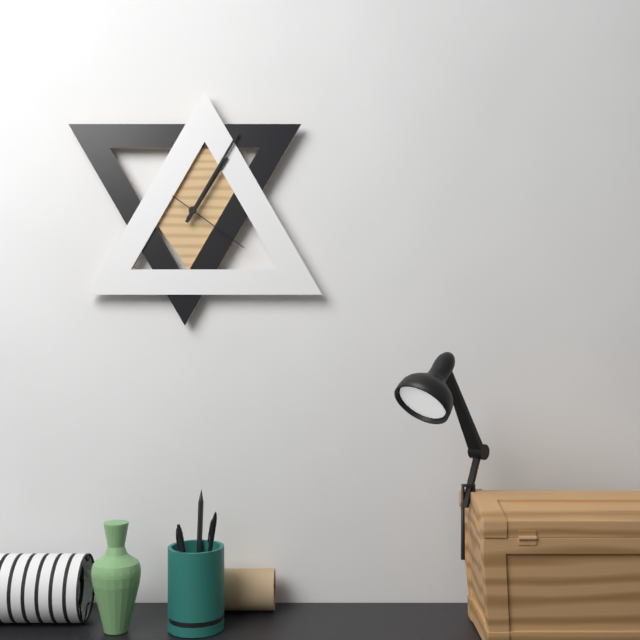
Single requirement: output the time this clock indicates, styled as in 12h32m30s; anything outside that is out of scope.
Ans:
1h05m21s
